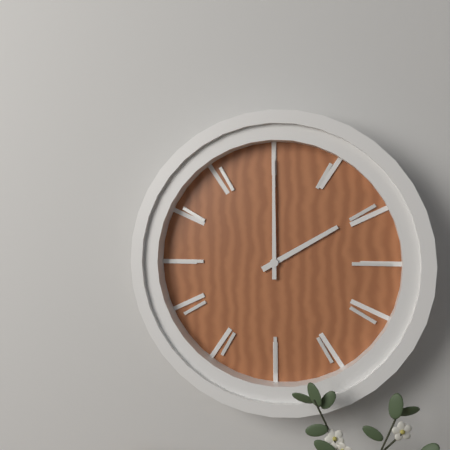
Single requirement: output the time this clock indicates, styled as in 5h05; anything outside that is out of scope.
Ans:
2h00
